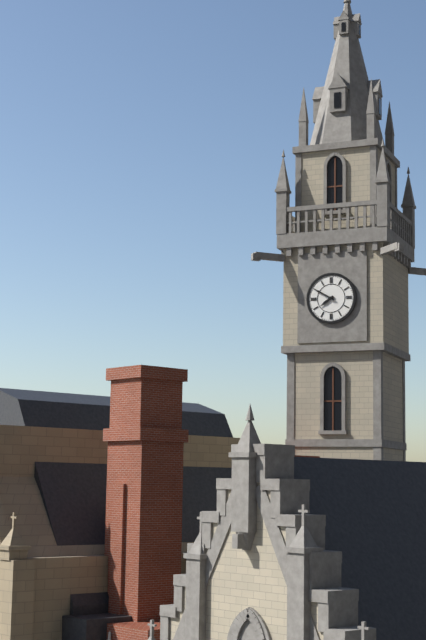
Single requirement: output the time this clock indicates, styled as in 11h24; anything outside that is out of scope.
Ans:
7h50
